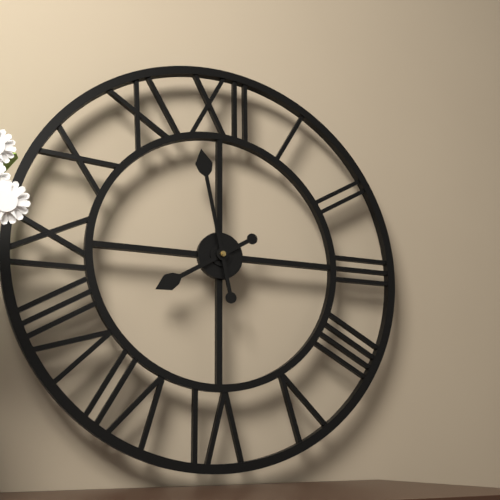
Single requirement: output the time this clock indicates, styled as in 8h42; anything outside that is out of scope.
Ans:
7h58
